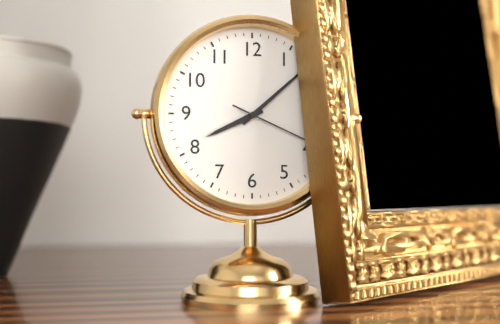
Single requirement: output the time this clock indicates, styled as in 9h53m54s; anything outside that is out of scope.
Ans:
8h08m19s
